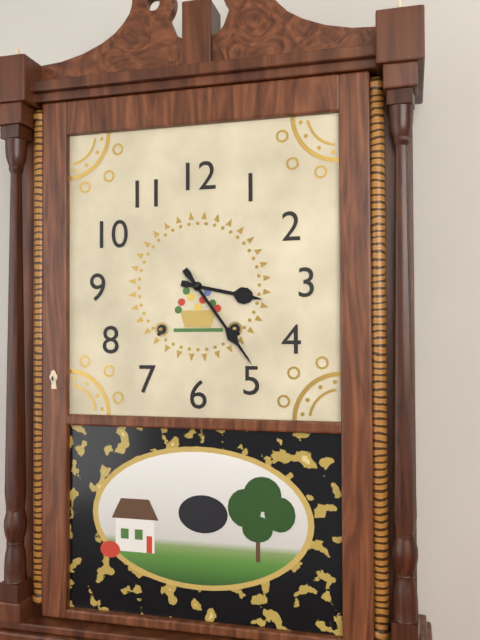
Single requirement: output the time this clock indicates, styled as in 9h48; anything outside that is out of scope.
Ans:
3h24
